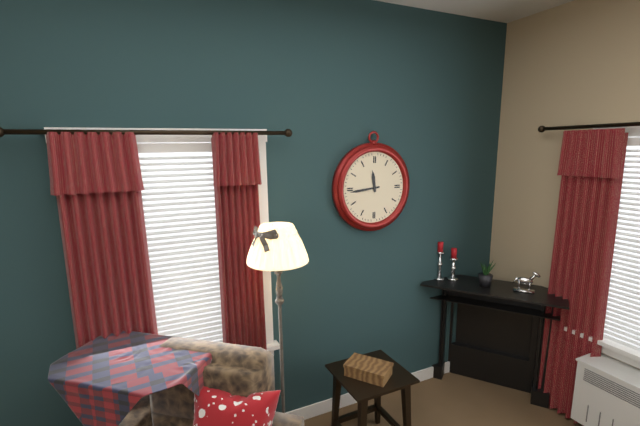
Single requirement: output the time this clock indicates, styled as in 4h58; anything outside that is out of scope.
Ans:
11h44
